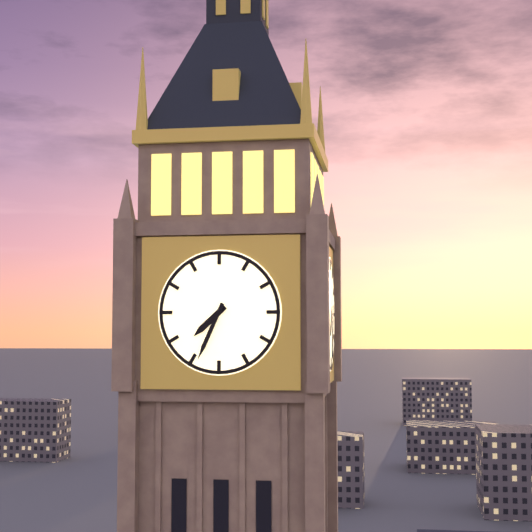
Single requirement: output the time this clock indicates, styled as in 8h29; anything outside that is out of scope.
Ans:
7h34
